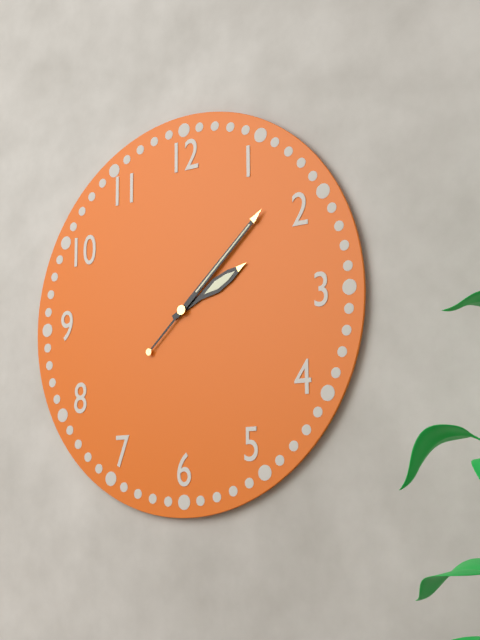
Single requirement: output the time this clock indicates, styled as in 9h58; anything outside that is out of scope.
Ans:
2h08
